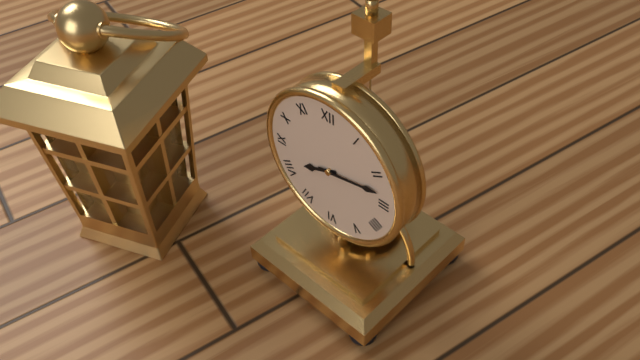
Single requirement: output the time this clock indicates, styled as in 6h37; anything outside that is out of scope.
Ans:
8h13
